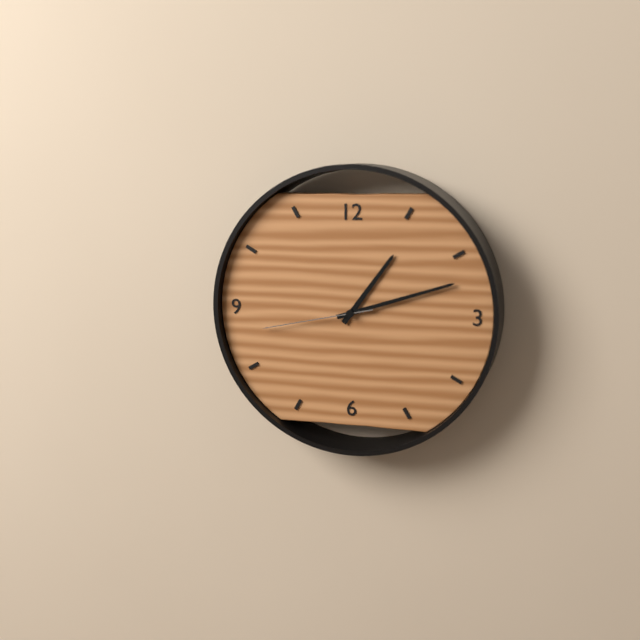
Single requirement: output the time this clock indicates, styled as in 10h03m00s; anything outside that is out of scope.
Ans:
1h12m43s
